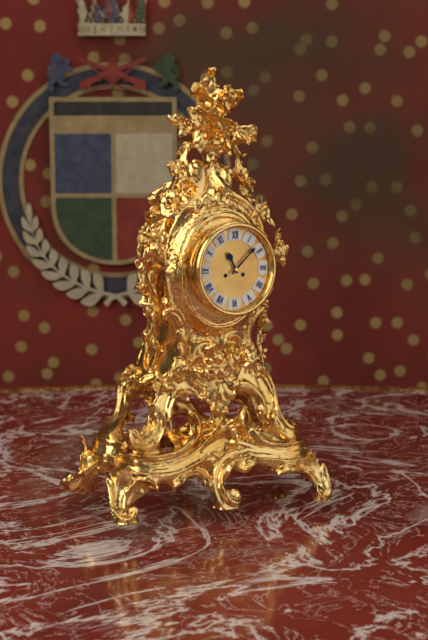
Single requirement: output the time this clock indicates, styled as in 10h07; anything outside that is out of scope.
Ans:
11h08
